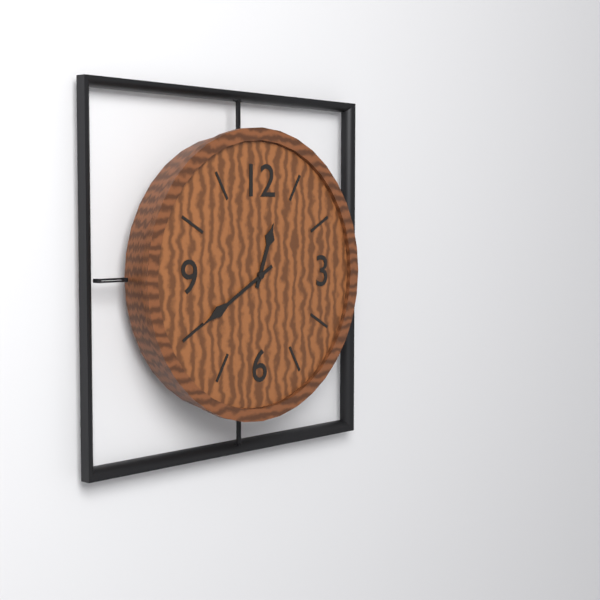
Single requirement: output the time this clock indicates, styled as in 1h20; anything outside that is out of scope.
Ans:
12h40
